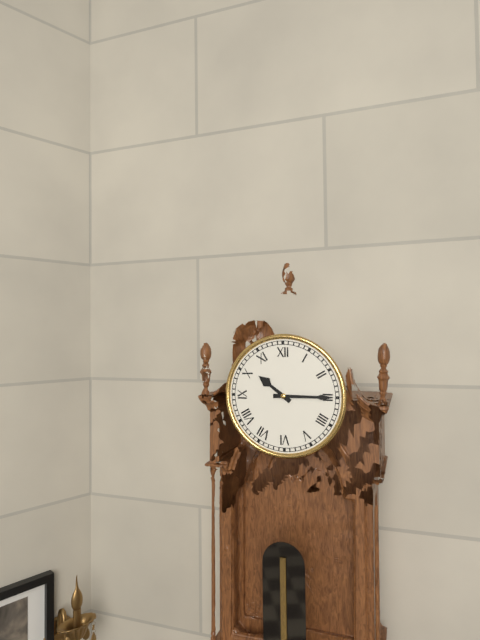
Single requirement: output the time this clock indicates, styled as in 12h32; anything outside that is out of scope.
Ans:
10h15
